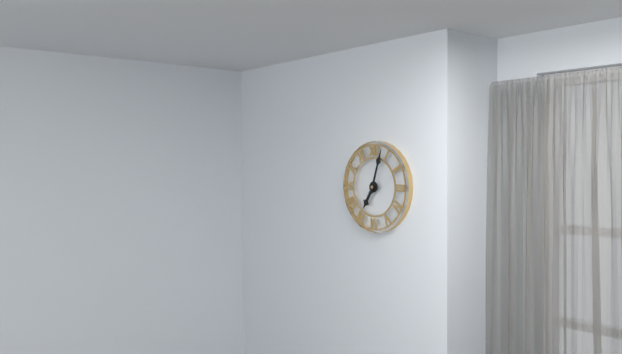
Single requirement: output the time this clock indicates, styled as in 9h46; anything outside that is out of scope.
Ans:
7h03
